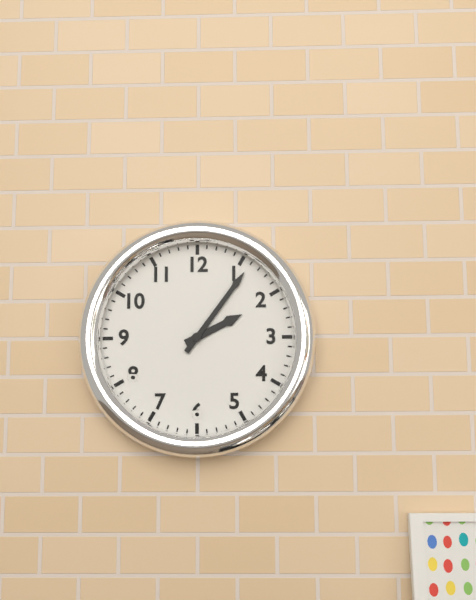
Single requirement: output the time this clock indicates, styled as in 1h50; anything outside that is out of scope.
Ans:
2h06
